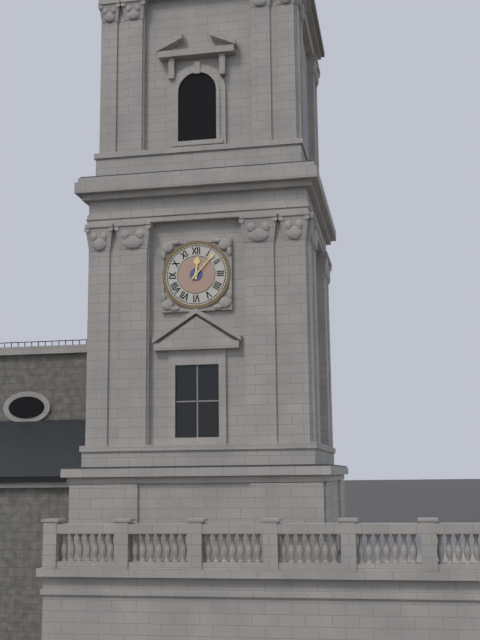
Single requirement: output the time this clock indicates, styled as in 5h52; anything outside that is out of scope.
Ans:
12h07
